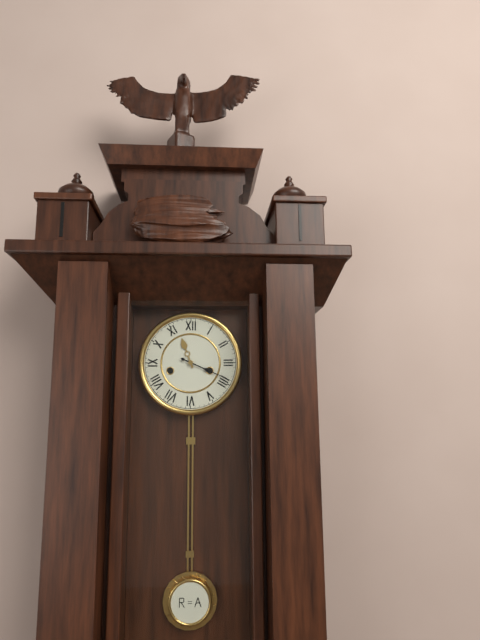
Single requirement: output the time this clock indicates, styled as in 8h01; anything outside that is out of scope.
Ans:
11h19
